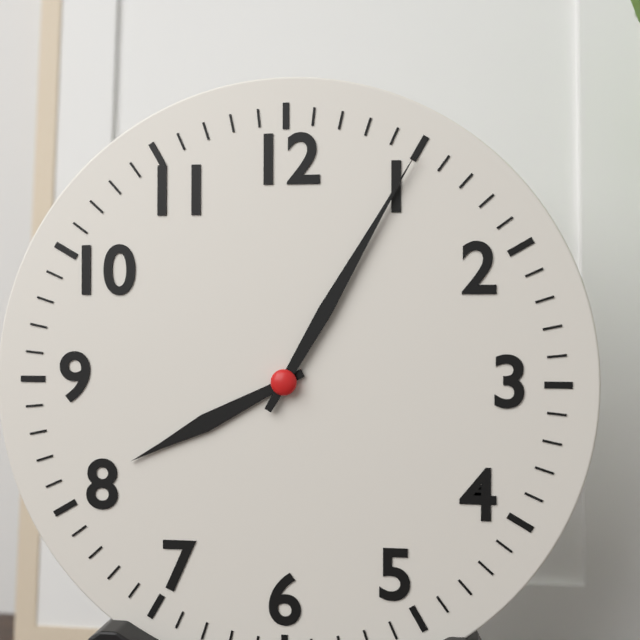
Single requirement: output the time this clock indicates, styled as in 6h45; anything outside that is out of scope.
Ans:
8h05
